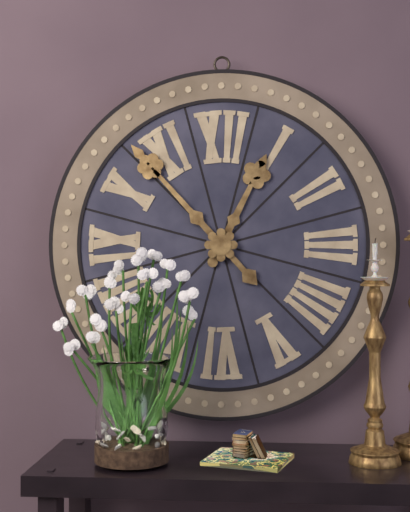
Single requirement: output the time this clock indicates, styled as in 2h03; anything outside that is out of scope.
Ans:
12h53
